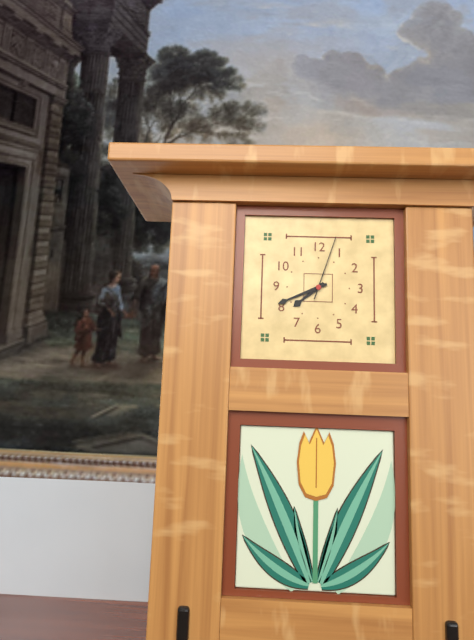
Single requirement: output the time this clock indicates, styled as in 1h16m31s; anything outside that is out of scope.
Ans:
7h41m03s
